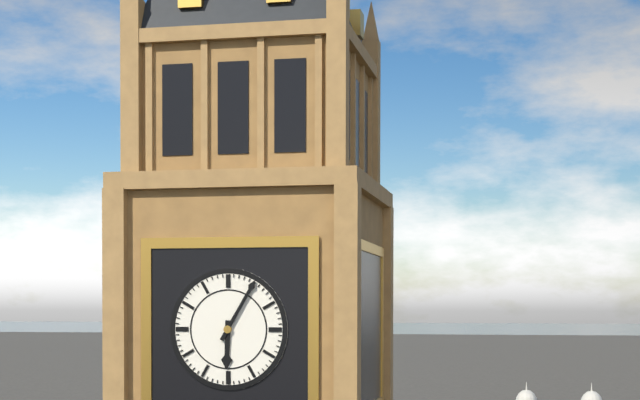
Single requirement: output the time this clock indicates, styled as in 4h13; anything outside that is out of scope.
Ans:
6h05
